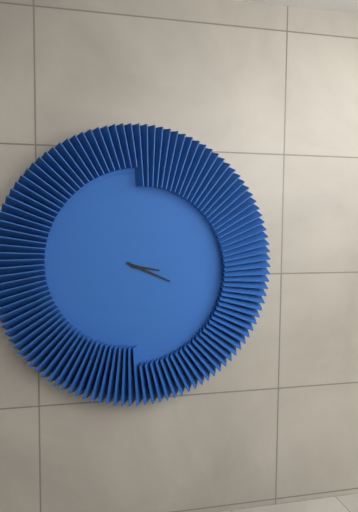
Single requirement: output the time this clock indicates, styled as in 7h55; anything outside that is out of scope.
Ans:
3h19
